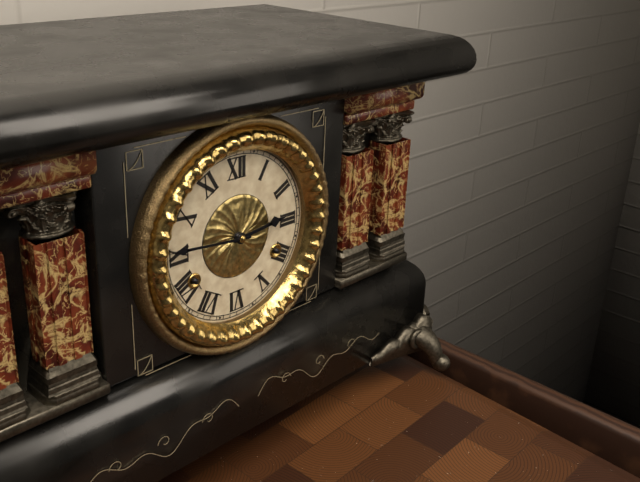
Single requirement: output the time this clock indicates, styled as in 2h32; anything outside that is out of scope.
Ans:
2h46
